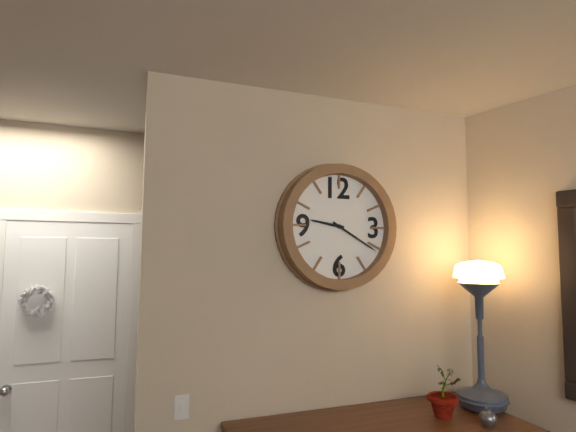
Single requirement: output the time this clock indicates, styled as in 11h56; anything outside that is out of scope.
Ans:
9h20
